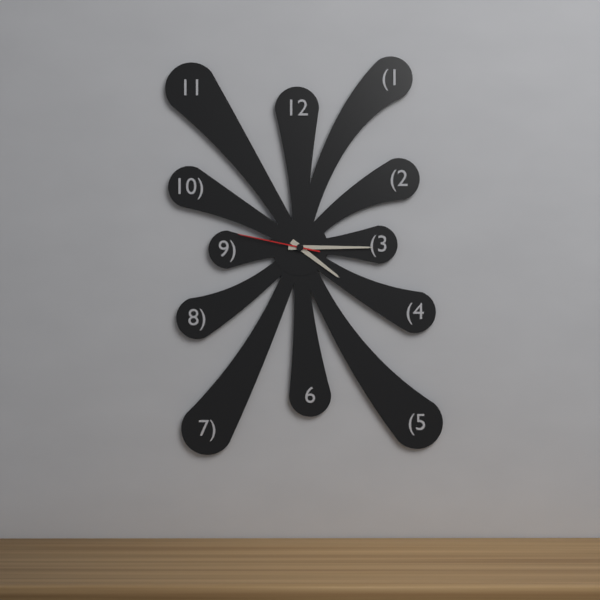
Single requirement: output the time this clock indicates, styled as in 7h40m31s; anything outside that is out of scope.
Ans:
4h15m47s
